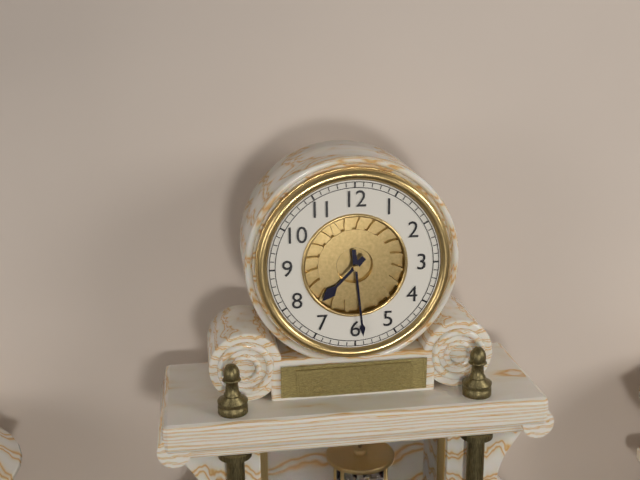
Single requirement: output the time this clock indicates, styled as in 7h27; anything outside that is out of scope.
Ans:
7h29
